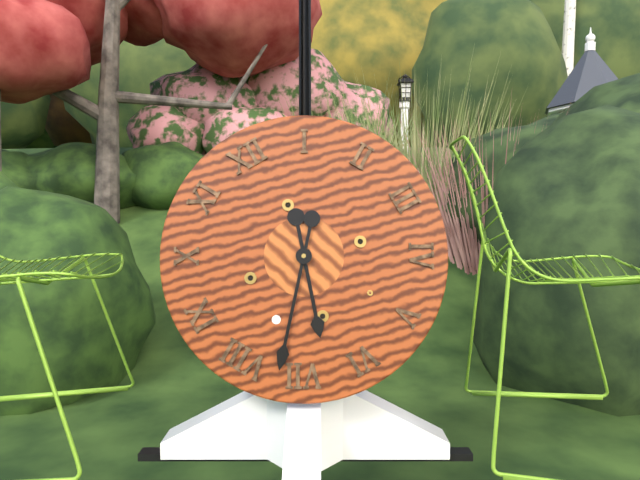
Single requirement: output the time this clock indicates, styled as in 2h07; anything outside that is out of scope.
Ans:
6h37
